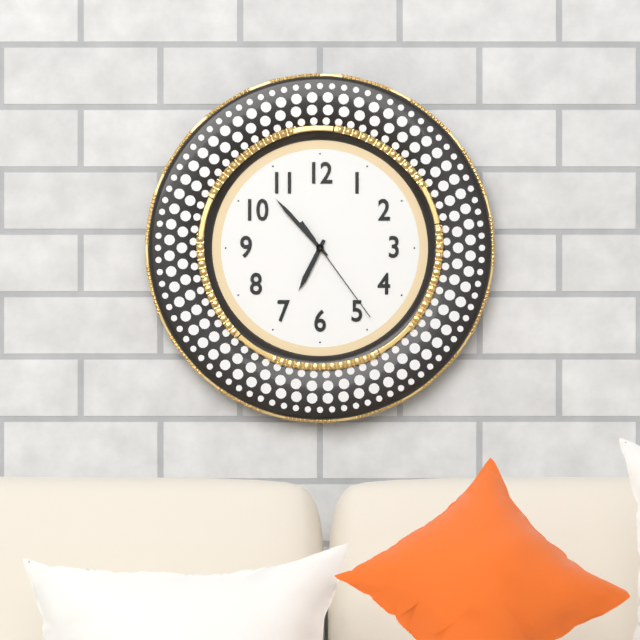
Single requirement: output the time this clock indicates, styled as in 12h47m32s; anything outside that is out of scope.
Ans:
6h53m24s
